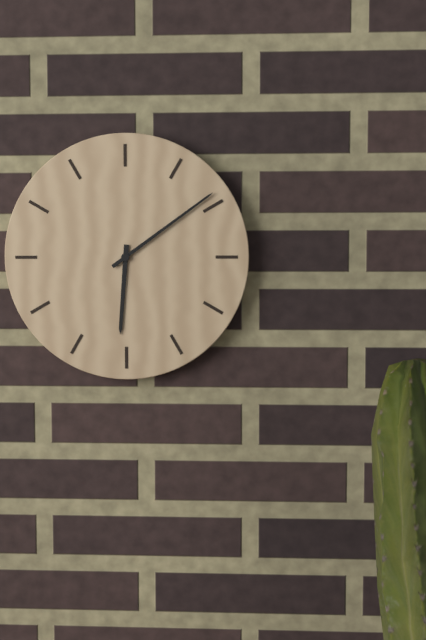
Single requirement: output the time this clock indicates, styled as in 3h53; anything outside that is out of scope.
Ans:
6h09
